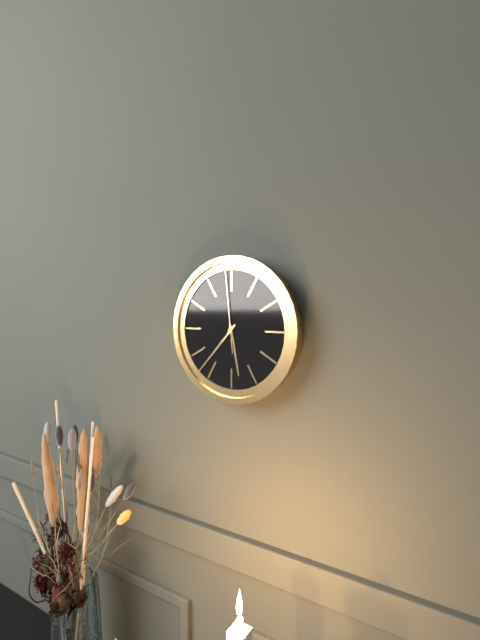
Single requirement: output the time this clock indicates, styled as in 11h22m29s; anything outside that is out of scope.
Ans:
5h37m59s
